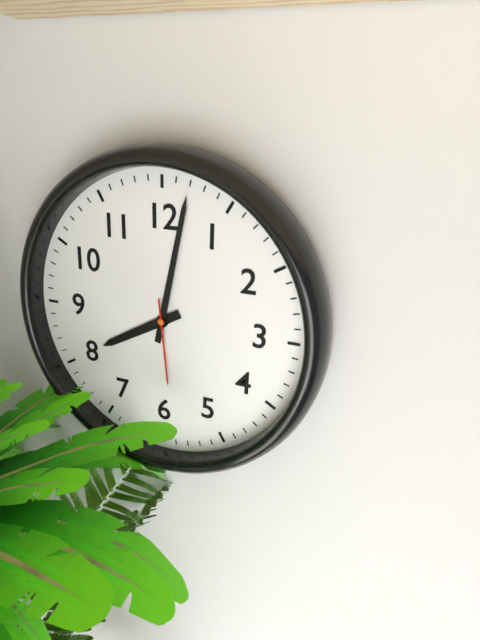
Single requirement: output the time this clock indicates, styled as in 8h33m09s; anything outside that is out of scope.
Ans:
8h02m29s
